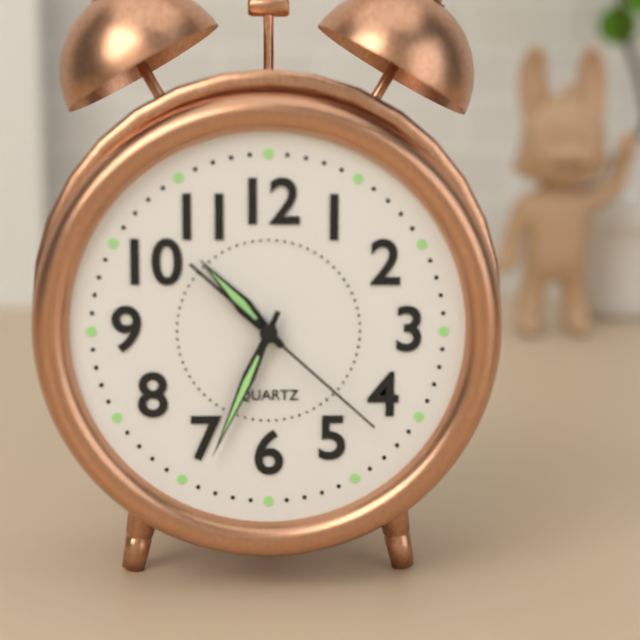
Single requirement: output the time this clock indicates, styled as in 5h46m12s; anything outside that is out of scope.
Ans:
10h34m22s
